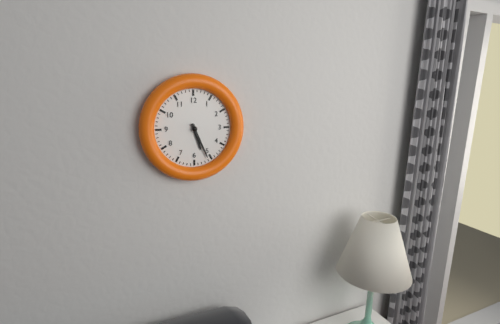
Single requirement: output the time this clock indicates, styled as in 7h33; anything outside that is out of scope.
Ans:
5h26
